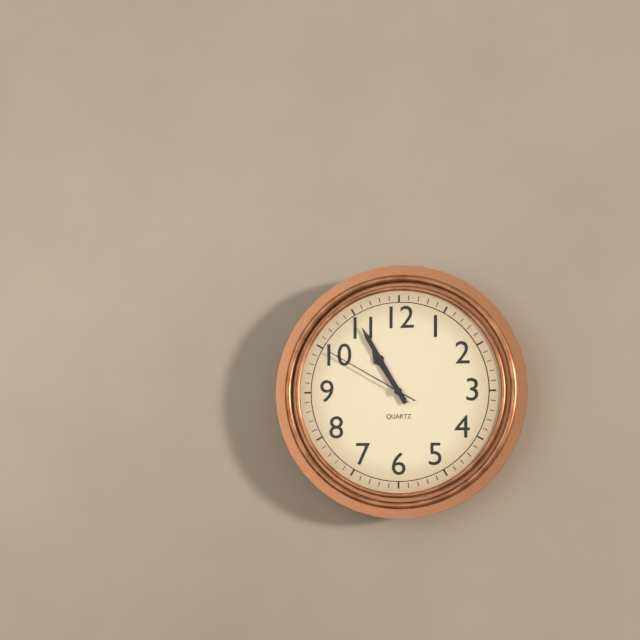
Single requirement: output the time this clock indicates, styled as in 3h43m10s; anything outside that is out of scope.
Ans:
10h55m50s
